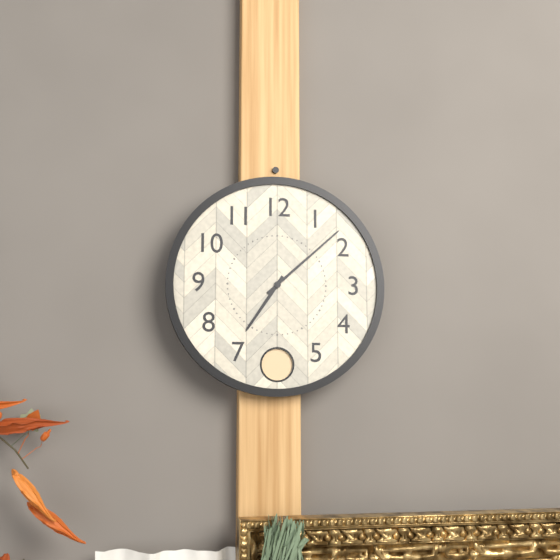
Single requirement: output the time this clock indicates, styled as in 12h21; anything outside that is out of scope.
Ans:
7h08
